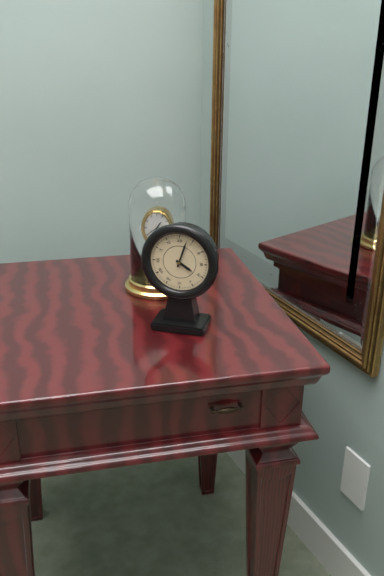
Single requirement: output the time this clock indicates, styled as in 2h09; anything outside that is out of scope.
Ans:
4h03
